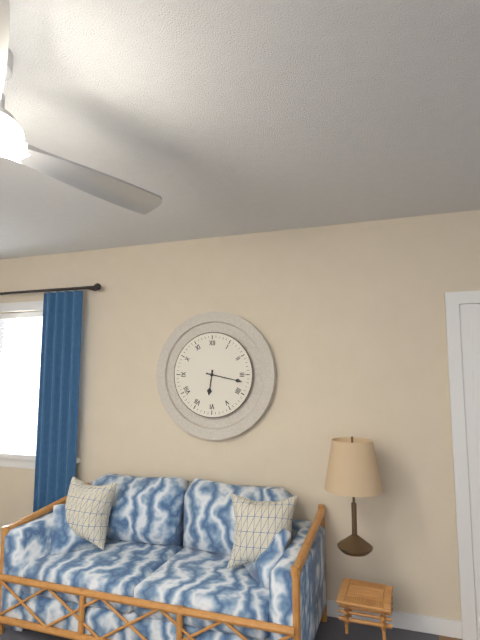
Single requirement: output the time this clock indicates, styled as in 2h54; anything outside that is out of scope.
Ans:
6h17
